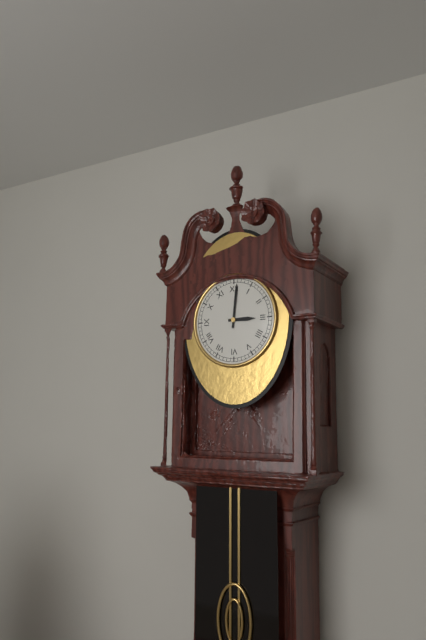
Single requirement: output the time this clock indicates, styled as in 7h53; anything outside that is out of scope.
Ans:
3h01
